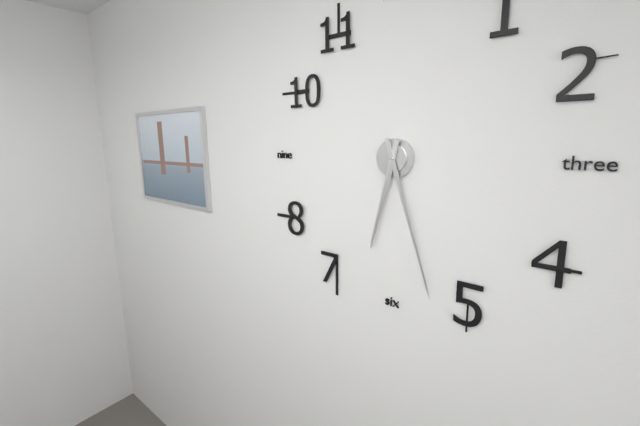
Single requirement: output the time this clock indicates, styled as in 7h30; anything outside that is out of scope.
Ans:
6h27
